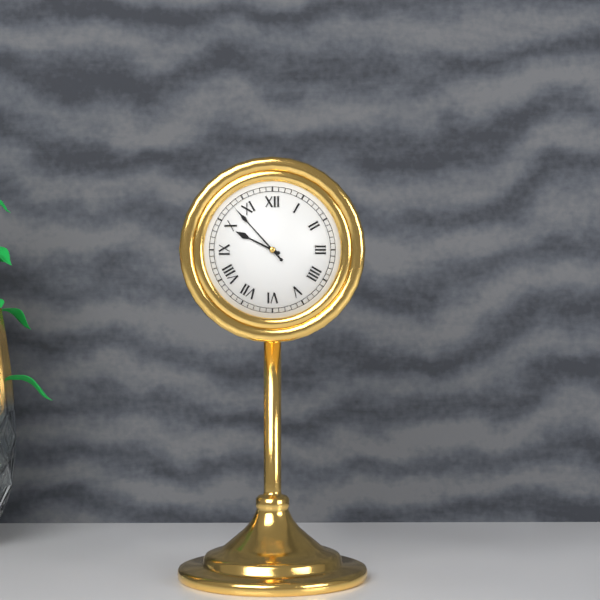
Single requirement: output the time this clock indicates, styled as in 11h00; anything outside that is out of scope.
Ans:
9h53
